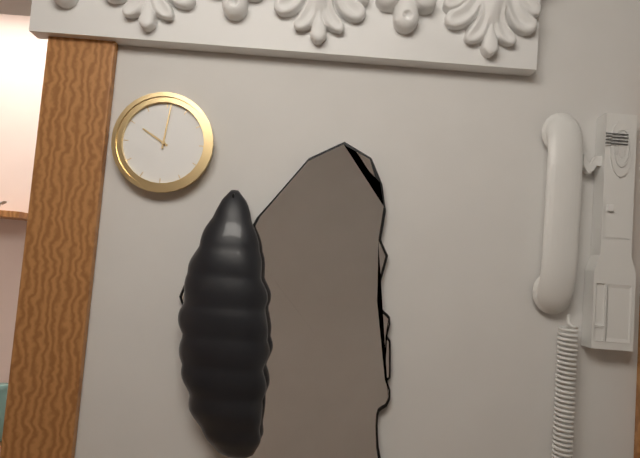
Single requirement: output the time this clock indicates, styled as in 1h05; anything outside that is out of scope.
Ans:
10h01
